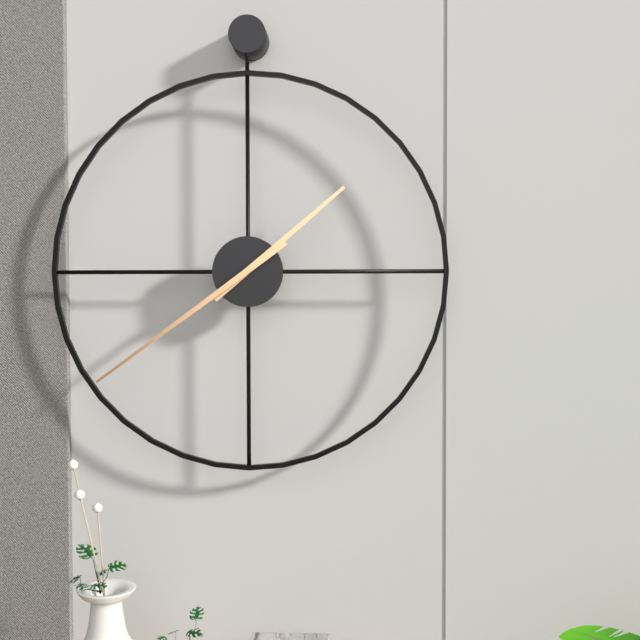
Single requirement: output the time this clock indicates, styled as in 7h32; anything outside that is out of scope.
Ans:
1h39
